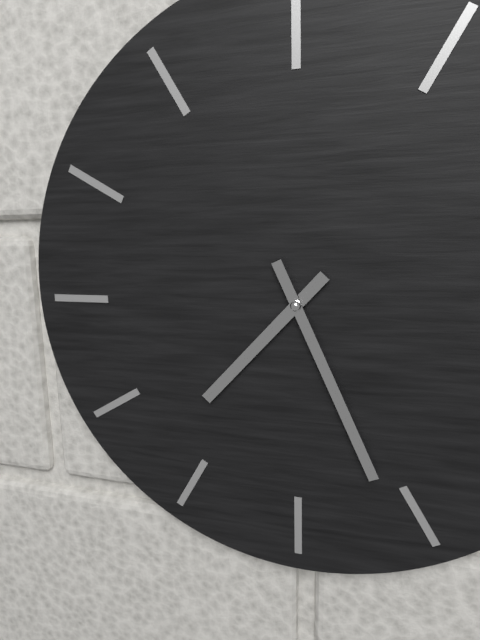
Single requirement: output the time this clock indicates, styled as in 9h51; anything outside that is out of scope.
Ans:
7h26
